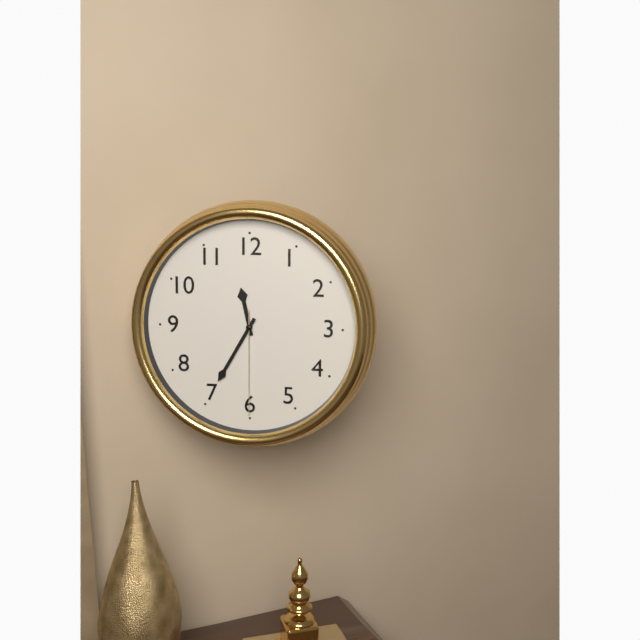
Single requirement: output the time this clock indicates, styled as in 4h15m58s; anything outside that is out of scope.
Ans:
11h35m30s
